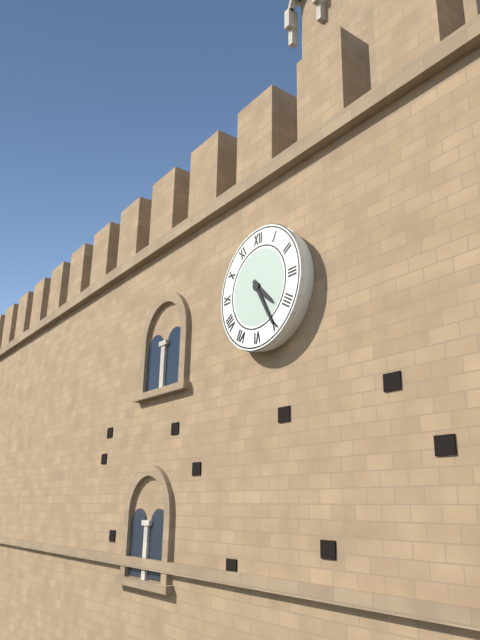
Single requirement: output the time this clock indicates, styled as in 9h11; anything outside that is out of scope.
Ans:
4h25
